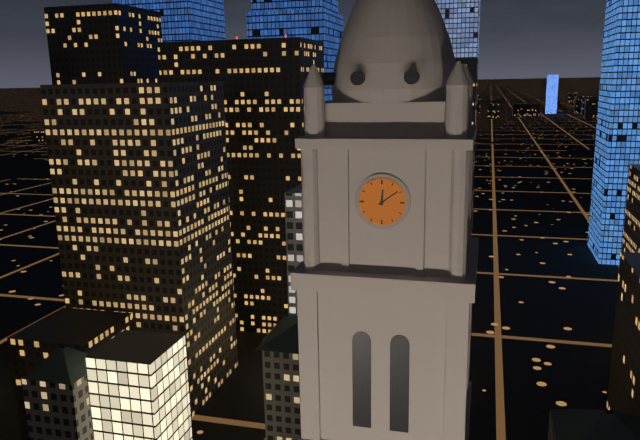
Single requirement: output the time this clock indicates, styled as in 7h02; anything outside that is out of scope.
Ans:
12h09
